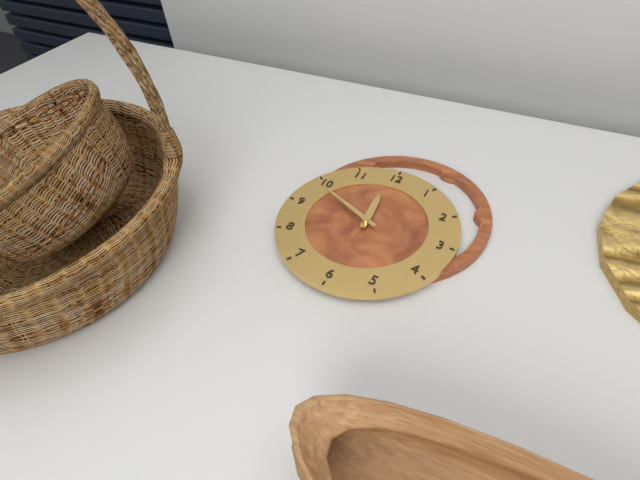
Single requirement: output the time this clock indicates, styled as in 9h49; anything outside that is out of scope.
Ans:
11h49
